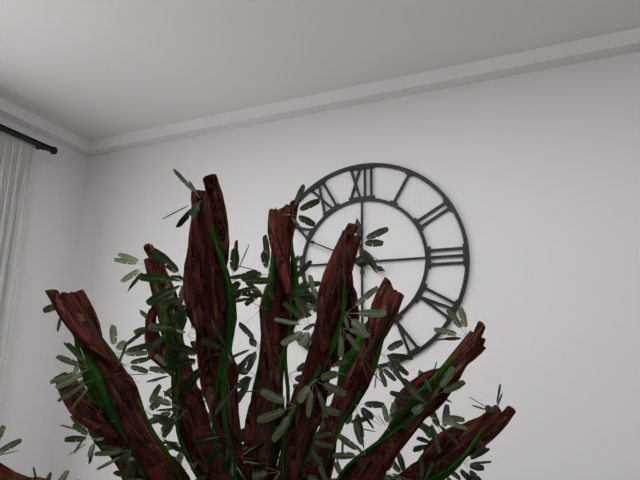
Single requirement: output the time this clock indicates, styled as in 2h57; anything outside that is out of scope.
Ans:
11h49
